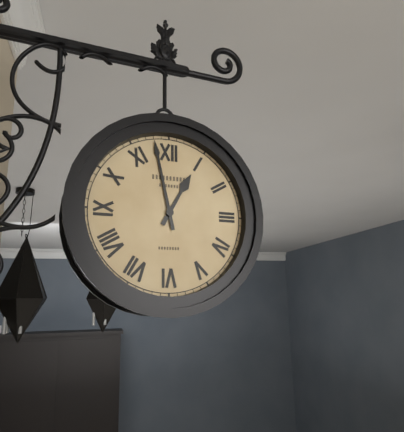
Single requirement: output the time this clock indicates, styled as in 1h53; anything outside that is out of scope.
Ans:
12h58
